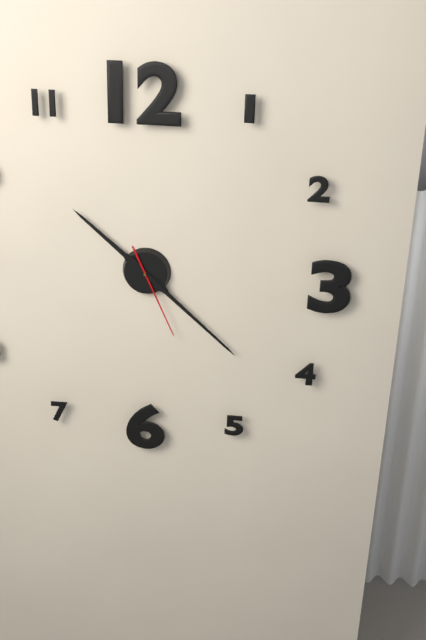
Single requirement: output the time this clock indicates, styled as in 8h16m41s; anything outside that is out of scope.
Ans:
10h22m26s
